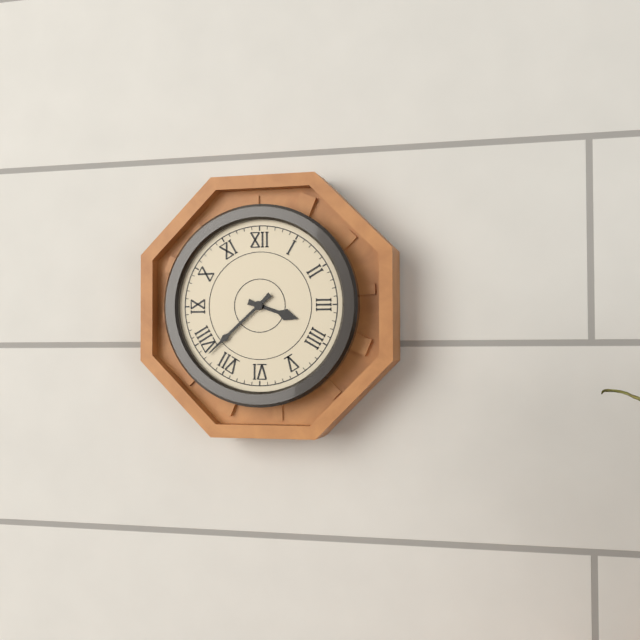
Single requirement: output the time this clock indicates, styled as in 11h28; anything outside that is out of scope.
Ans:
3h38
